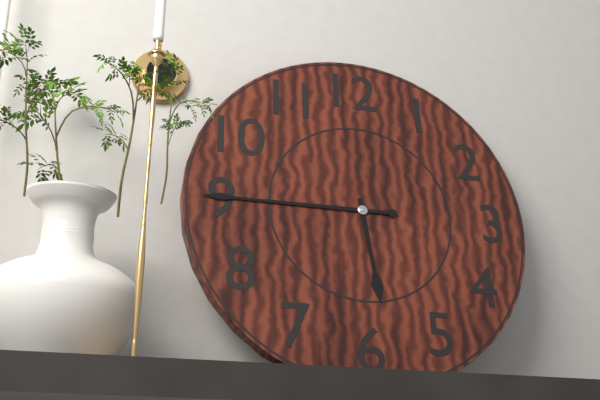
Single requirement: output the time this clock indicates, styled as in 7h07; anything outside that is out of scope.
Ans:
5h45
